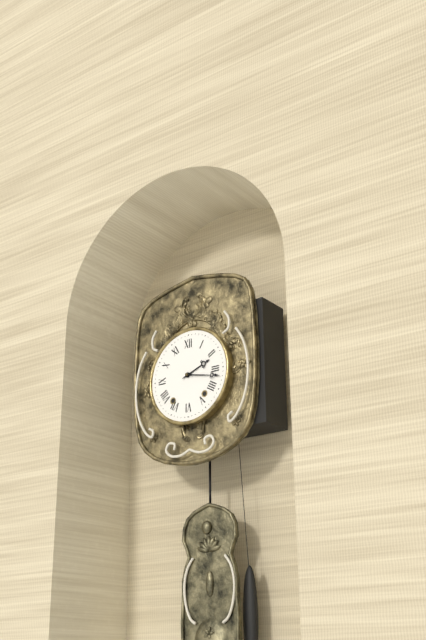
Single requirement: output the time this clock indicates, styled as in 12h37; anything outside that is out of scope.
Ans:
2h17
